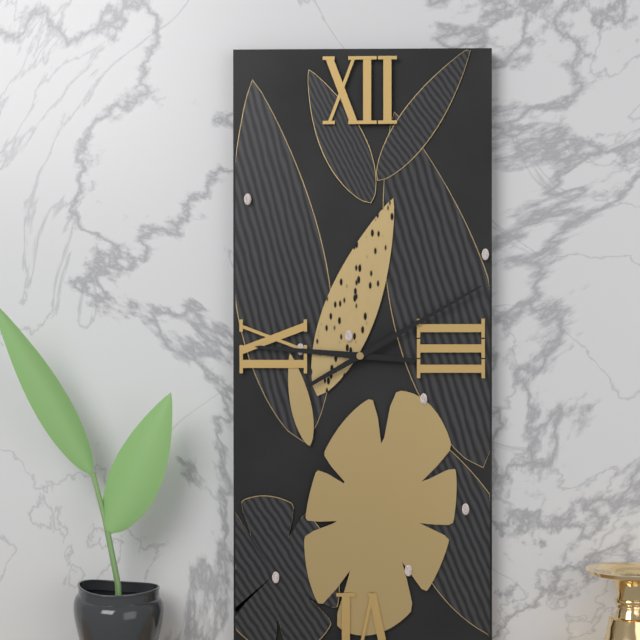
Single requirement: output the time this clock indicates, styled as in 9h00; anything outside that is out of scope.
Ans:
9h10
